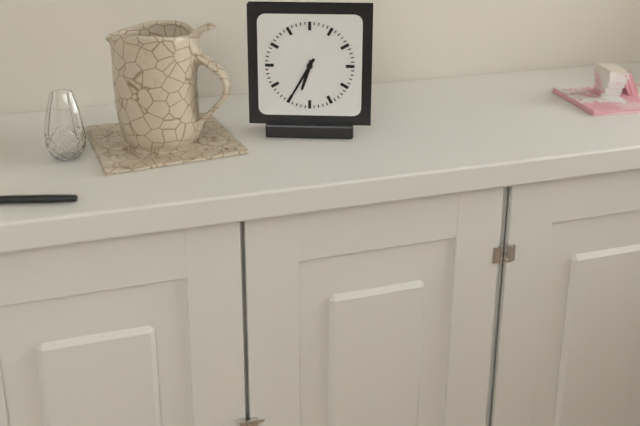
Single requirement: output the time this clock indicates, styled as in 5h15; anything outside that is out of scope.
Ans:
6h35
